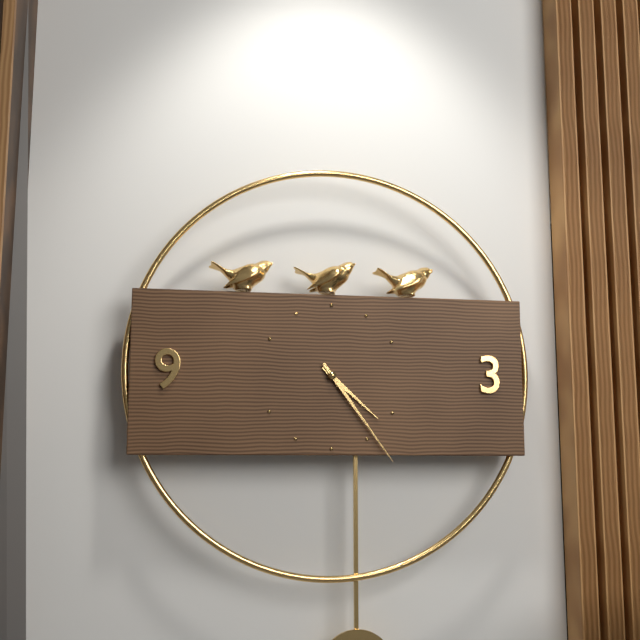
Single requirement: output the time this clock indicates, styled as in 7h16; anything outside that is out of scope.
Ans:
4h24
